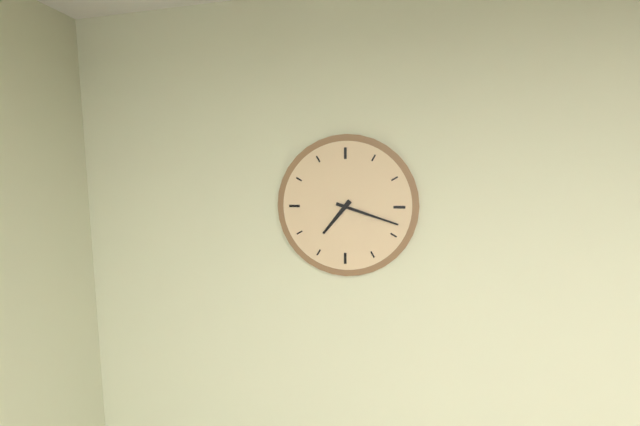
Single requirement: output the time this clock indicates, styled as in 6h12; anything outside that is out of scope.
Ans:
7h18
